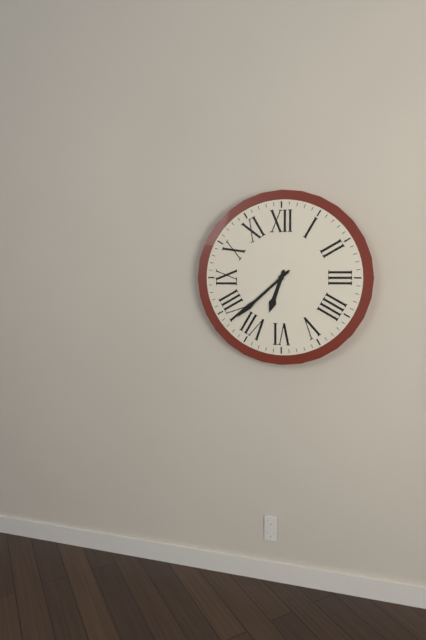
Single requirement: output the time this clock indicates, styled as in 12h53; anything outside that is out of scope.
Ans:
6h38
